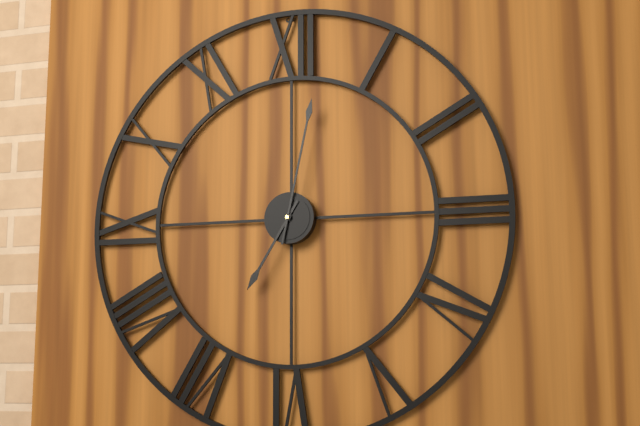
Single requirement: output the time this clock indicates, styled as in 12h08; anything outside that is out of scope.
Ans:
7h02
